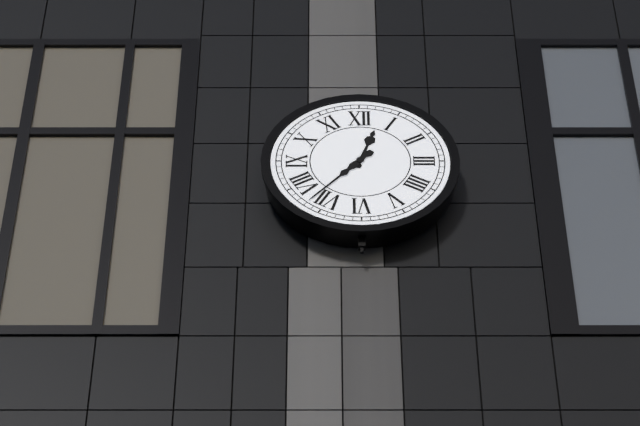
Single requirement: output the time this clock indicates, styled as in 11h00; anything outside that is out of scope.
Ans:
12h37
